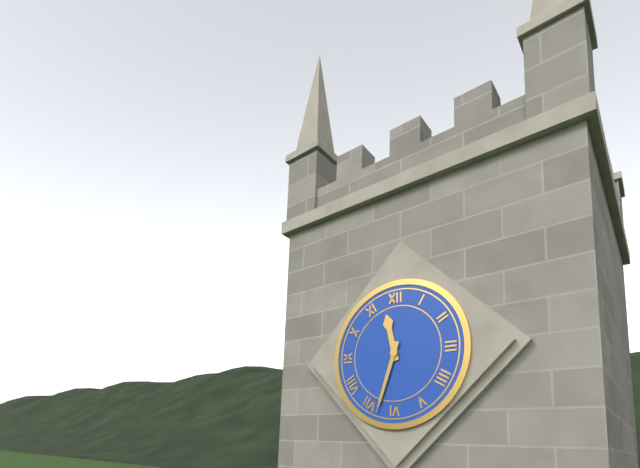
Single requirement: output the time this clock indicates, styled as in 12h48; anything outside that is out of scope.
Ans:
11h33
